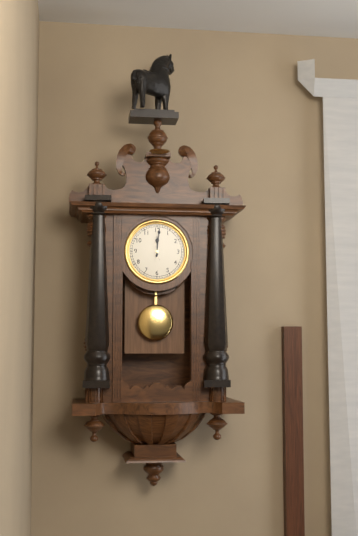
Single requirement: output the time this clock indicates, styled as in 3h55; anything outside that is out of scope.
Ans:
12h01
